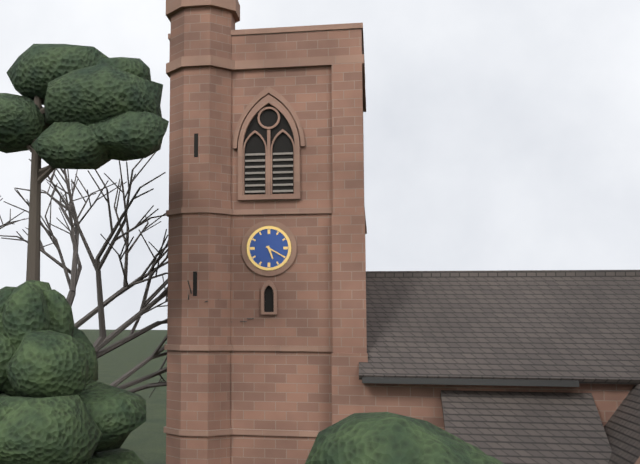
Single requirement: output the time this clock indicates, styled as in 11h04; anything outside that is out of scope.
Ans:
5h20
